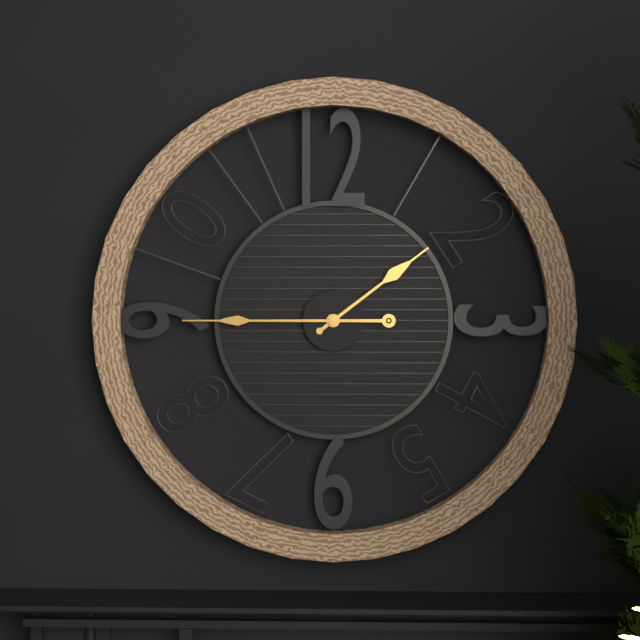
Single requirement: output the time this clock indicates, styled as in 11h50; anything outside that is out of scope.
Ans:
1h45
